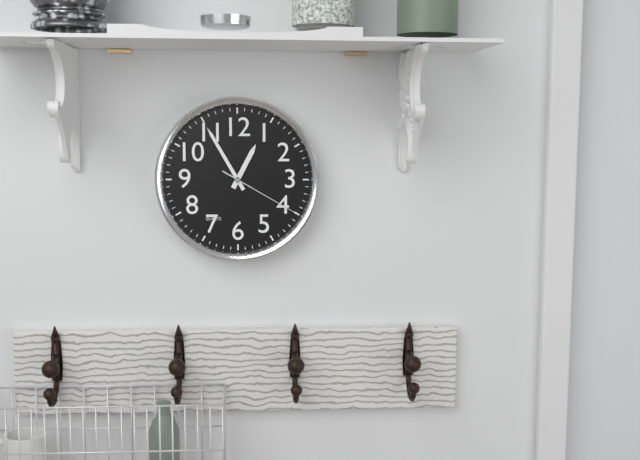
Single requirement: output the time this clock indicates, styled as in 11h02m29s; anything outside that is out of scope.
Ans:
12h55m20s
